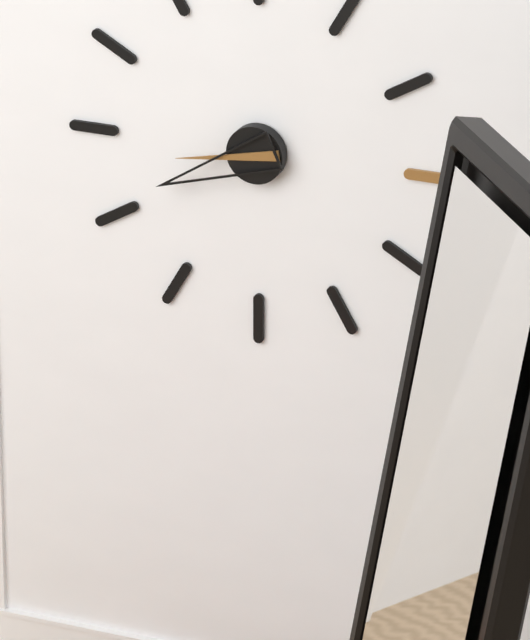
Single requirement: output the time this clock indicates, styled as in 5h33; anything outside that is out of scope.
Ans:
8h41
